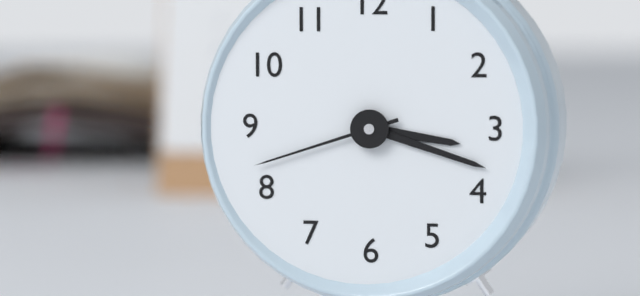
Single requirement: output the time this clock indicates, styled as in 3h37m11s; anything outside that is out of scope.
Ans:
3h18m42s
